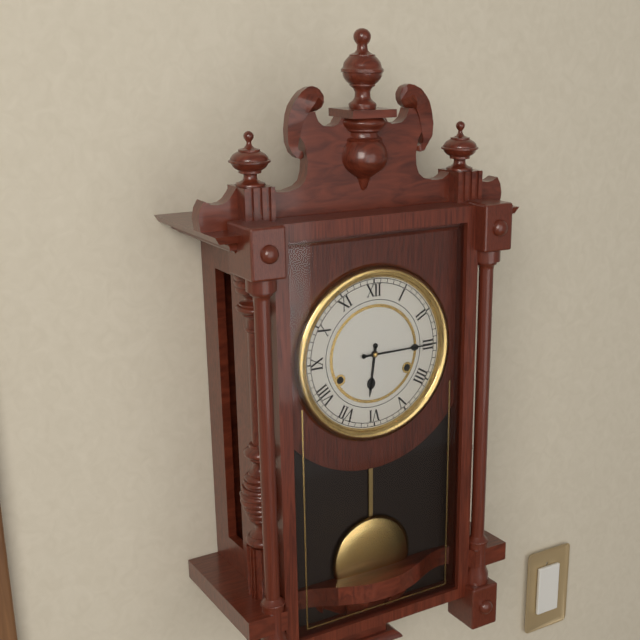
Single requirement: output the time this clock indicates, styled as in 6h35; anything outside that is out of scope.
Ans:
6h15
